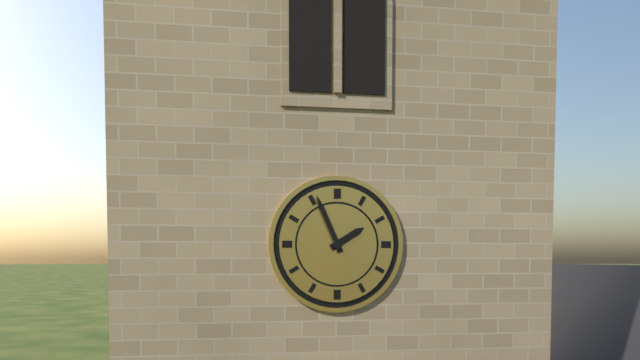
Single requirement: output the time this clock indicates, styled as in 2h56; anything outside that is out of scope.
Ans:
1h56
